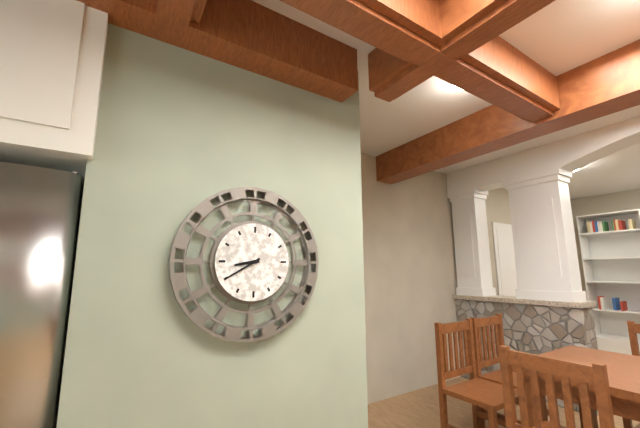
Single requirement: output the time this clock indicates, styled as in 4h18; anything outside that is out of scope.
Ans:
8h40
